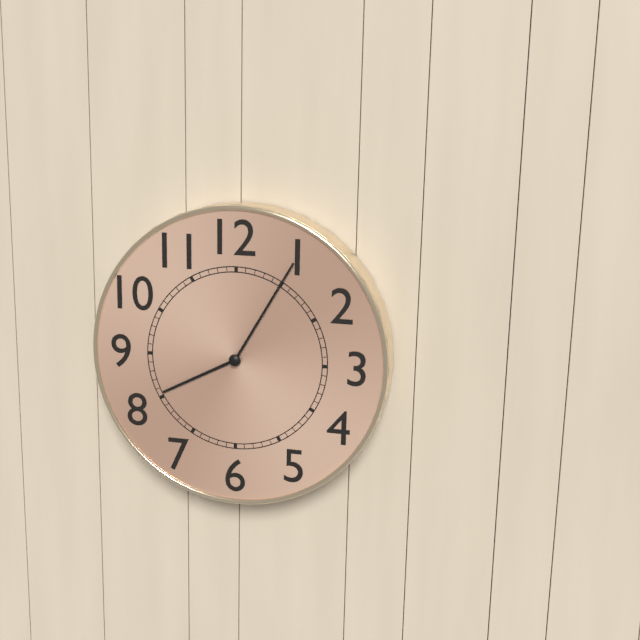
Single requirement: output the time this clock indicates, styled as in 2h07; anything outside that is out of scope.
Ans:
8h05
